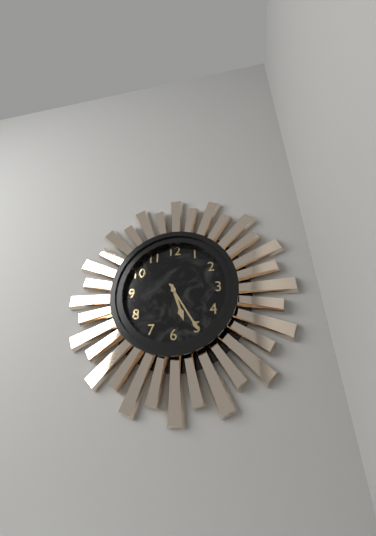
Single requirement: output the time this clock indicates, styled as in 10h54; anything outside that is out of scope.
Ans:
5h25
